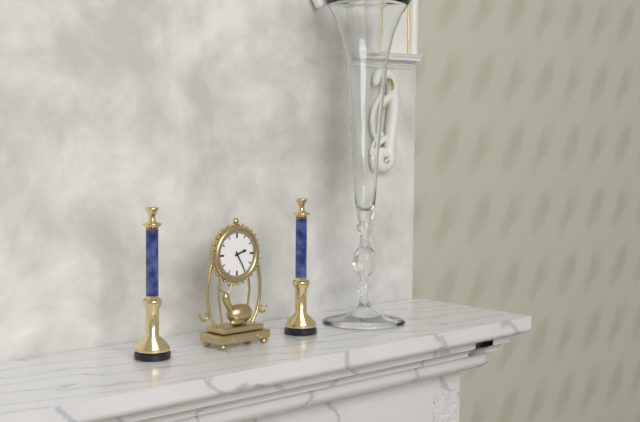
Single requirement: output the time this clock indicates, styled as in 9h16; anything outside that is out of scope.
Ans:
2h25
